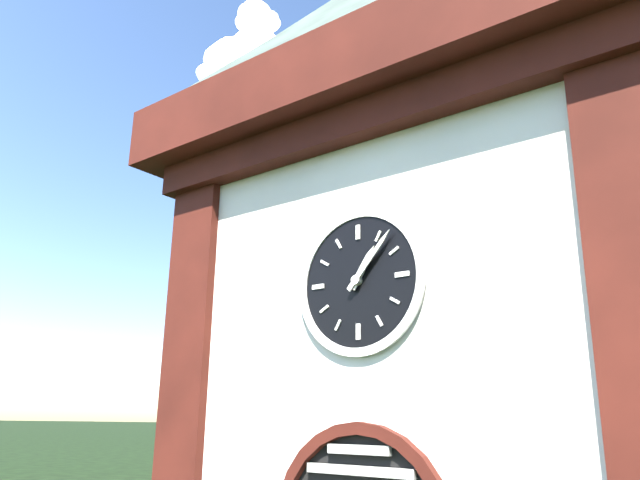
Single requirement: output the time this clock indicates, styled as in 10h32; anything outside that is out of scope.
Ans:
1h07
